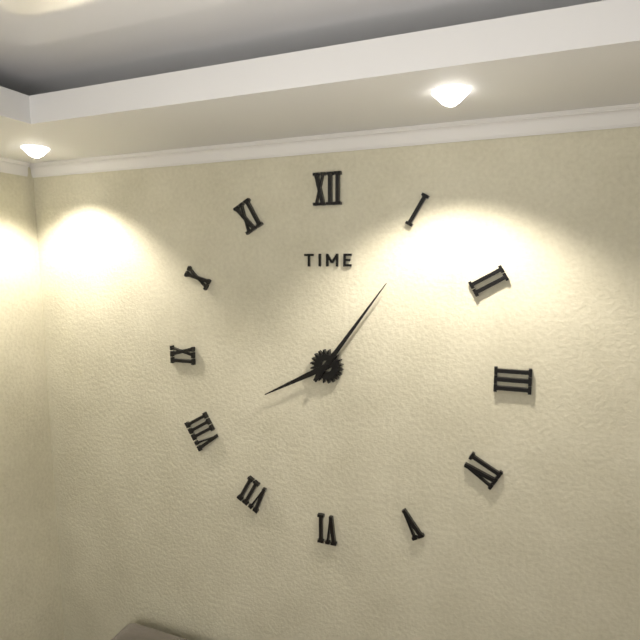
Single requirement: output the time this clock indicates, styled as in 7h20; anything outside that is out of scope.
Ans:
8h06
